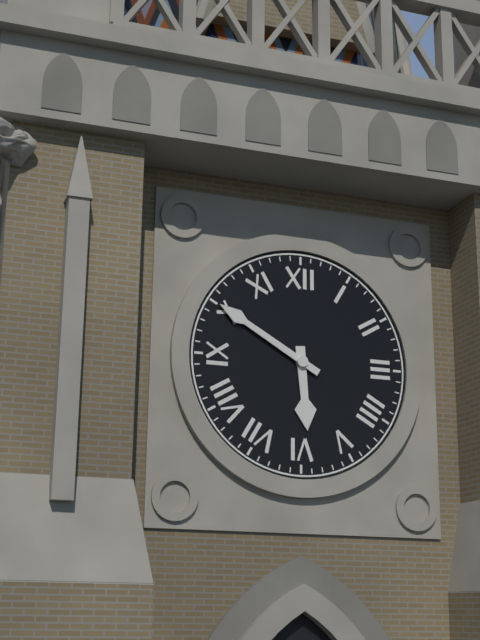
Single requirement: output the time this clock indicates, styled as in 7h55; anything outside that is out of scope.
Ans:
5h50
